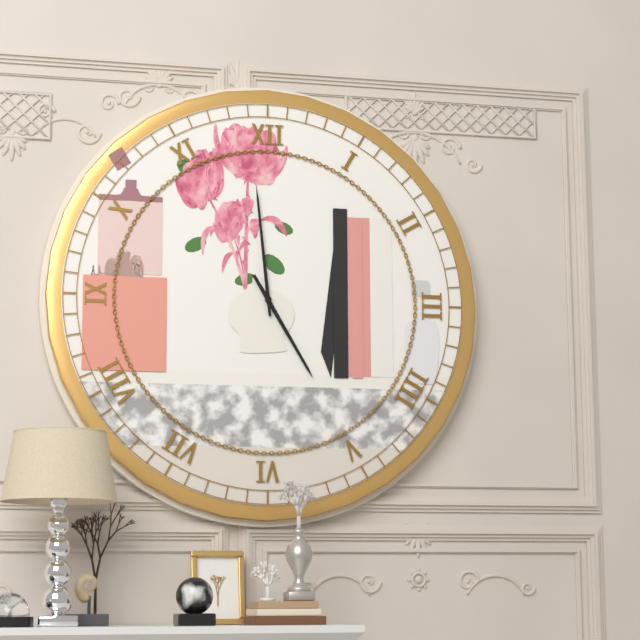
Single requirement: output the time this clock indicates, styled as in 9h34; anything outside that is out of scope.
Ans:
4h59
